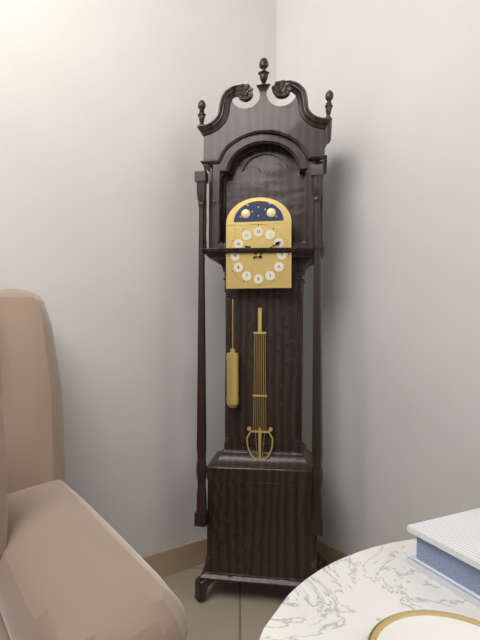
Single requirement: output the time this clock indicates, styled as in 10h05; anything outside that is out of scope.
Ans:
10h10
